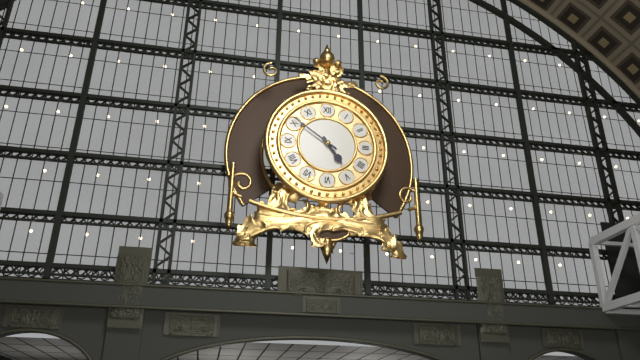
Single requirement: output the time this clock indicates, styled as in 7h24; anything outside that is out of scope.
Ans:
4h51
